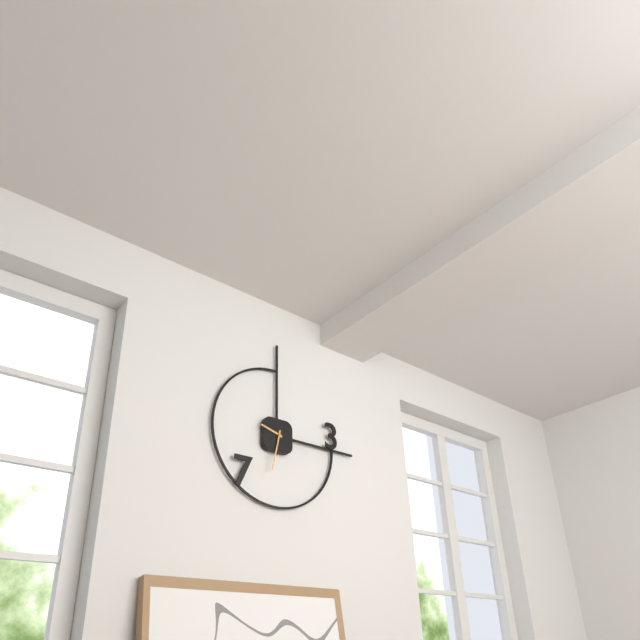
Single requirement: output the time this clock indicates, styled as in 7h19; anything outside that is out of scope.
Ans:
9h32
